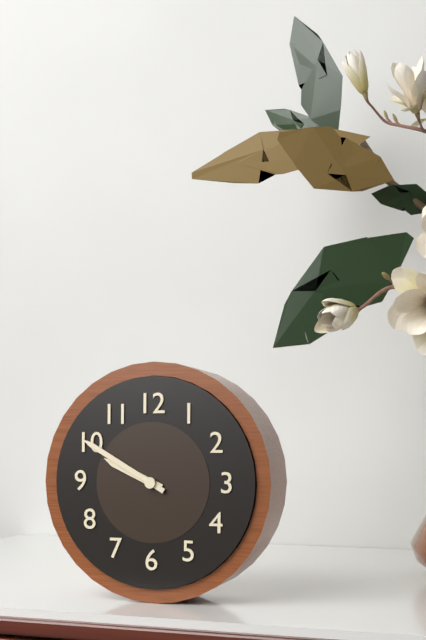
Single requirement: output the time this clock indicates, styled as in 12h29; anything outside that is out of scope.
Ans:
9h50
